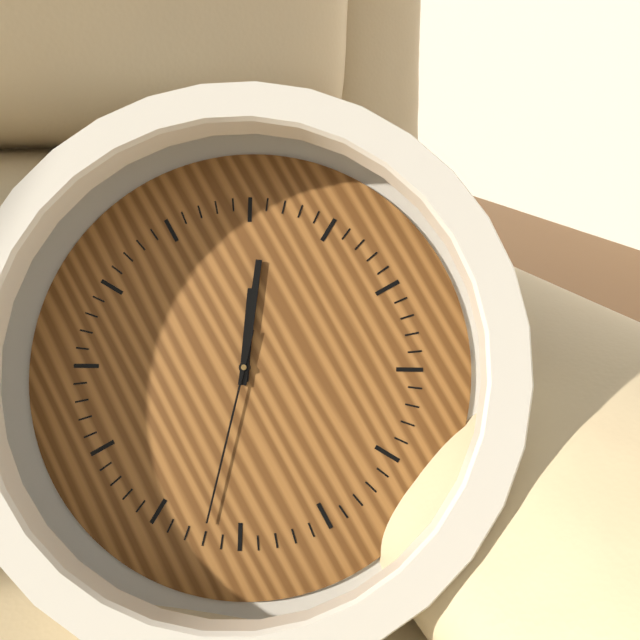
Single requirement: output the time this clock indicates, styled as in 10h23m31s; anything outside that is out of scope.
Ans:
1h06m37s
